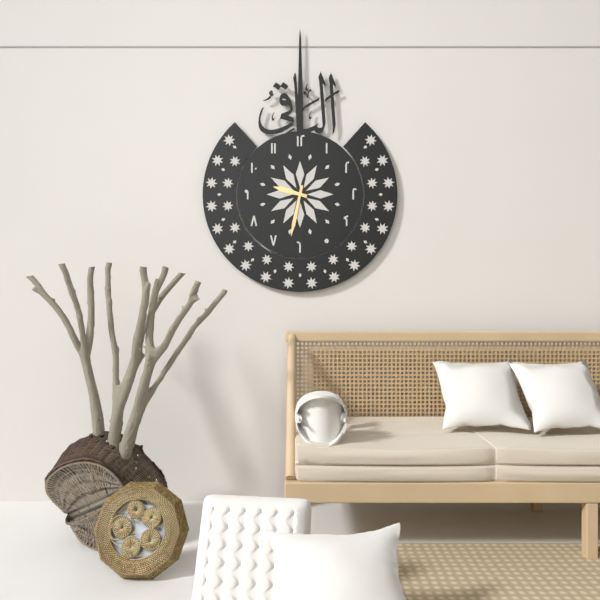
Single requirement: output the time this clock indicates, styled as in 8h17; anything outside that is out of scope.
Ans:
9h32
